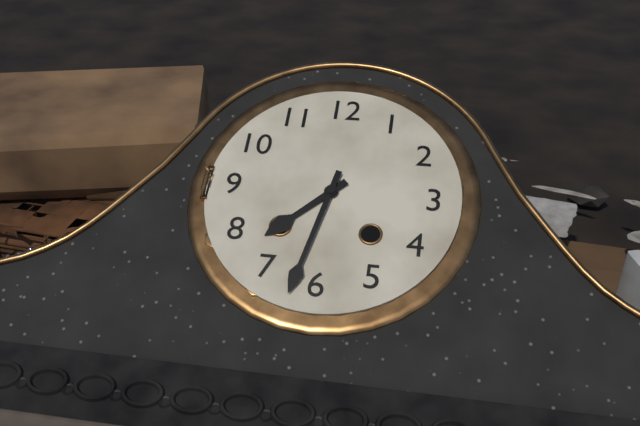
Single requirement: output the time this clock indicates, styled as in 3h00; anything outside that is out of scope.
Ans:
7h32
